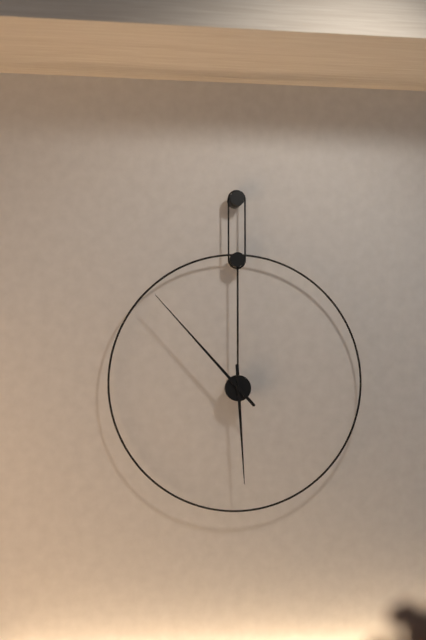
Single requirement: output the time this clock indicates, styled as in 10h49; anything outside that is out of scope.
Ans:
5h53
